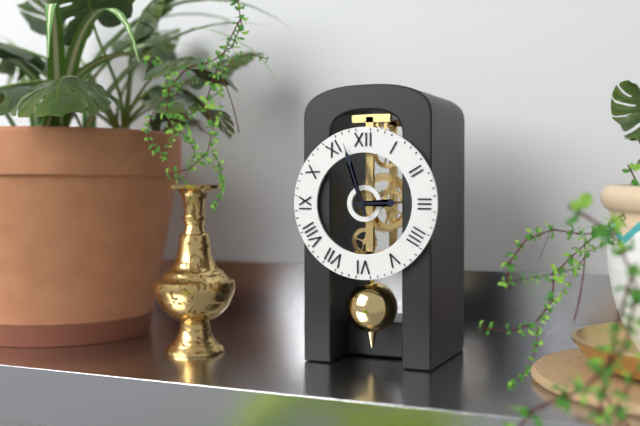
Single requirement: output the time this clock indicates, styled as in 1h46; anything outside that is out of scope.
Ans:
2h57
